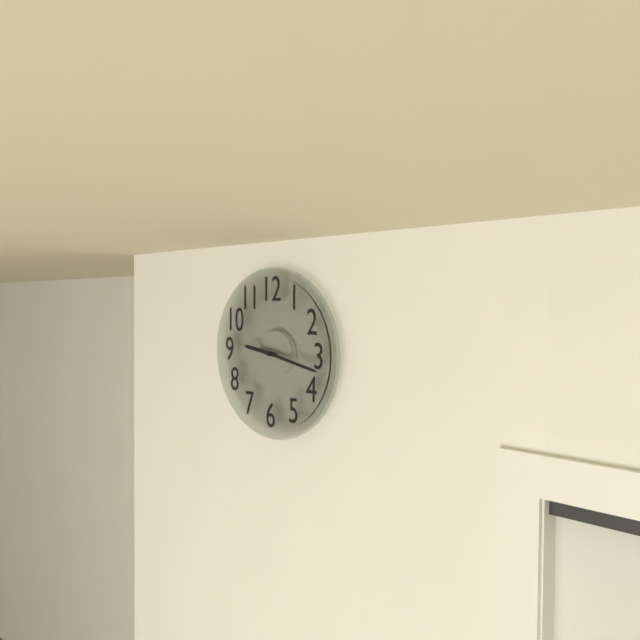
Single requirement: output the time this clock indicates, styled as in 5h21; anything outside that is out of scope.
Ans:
9h17
